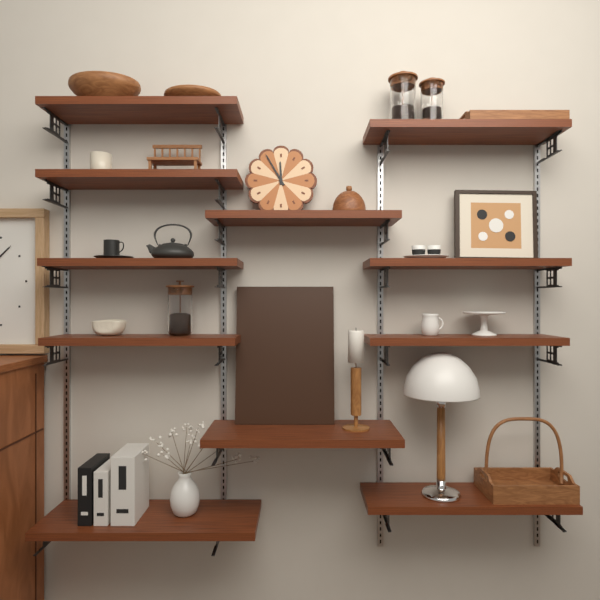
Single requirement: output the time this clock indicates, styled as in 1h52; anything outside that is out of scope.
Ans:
11h55
